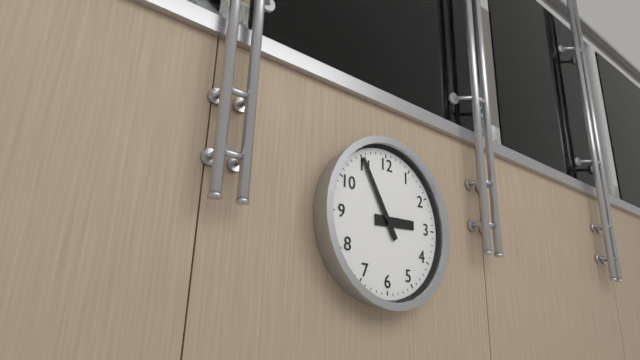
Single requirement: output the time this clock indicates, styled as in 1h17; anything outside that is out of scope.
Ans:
2h55
